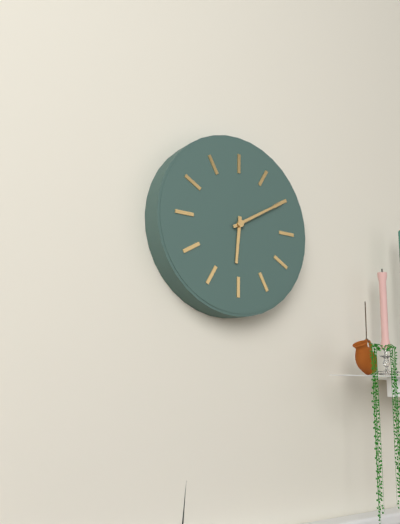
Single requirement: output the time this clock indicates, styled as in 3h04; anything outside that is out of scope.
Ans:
6h10
